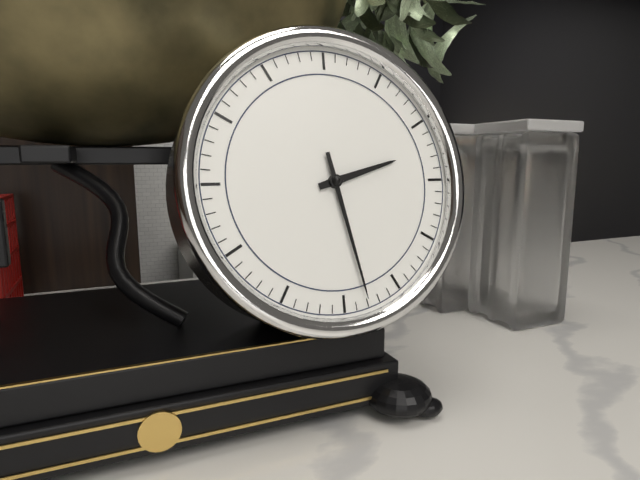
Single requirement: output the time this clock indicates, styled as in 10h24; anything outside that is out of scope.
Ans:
2h28
